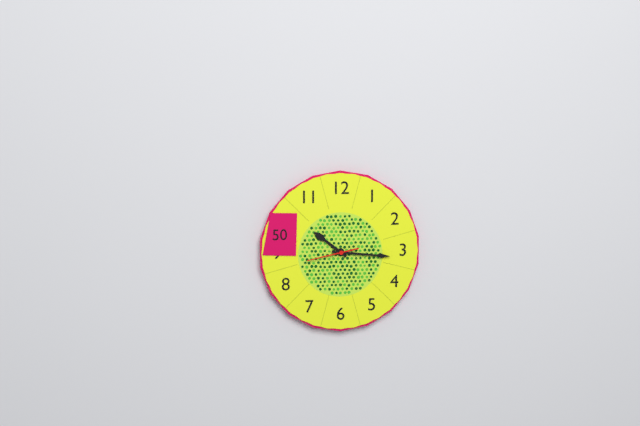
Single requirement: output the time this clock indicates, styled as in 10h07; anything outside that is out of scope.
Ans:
10h16
